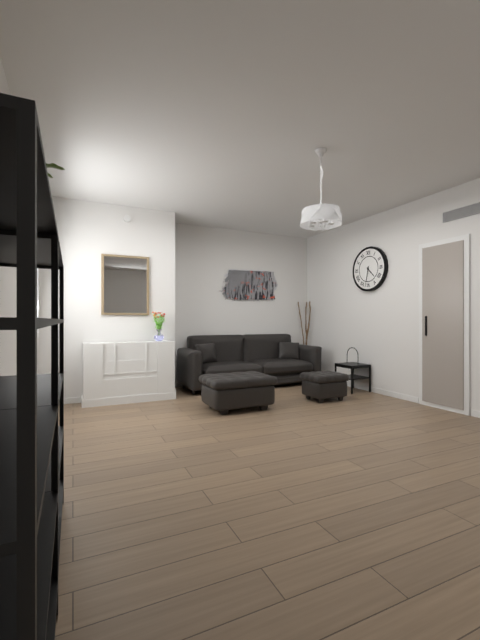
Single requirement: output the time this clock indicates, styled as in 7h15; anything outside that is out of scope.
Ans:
4h32
